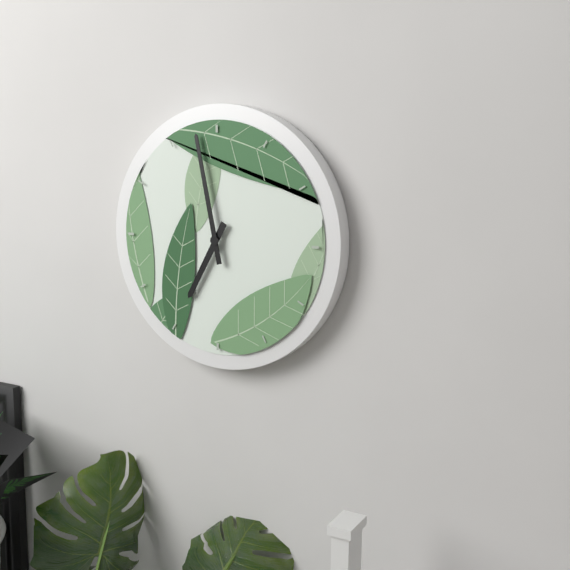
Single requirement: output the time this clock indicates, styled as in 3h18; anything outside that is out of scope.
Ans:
6h58
